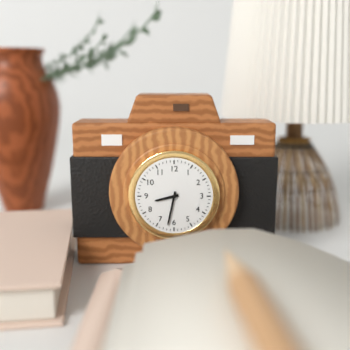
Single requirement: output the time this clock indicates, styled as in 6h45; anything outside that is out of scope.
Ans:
8h32
